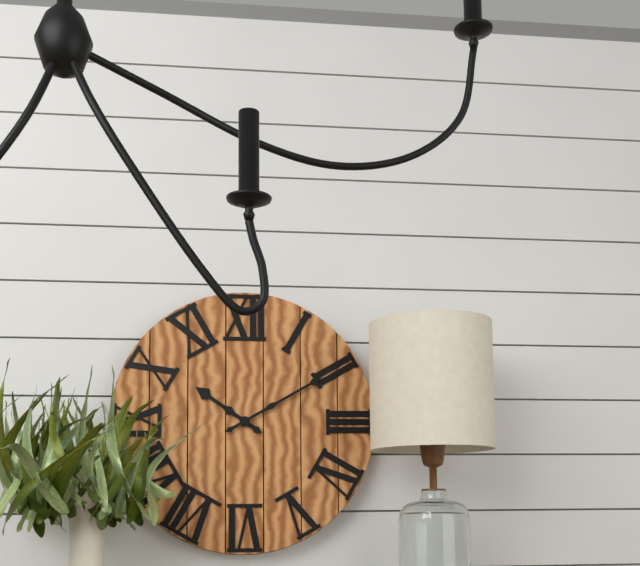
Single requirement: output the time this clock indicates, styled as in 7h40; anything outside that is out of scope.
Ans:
10h10
